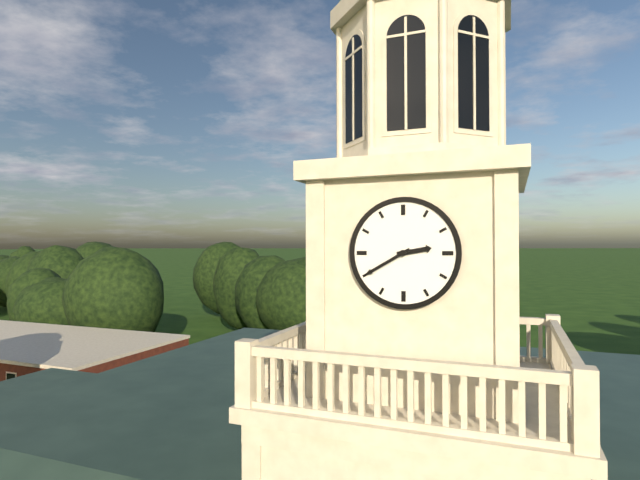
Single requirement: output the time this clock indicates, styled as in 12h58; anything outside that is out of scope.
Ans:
2h40
